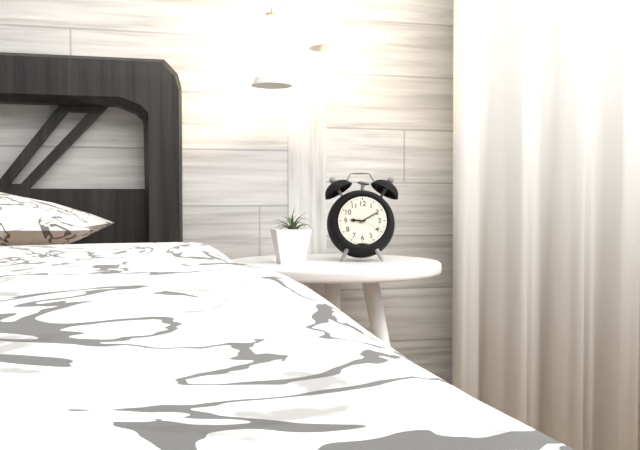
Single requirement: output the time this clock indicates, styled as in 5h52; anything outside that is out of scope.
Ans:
9h10
